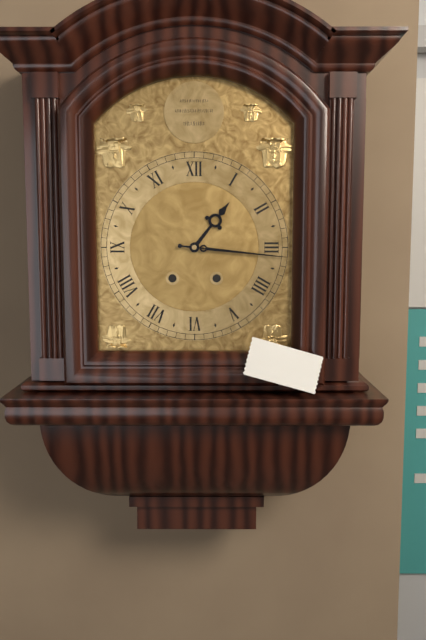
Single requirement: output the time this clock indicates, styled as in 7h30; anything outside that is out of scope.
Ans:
1h16
